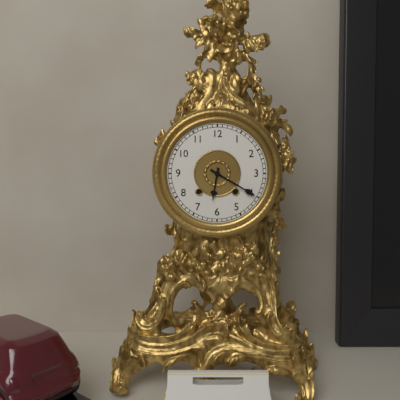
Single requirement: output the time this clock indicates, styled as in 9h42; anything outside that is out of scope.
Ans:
6h20
